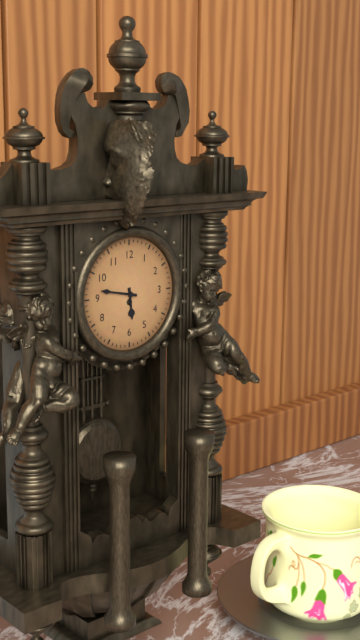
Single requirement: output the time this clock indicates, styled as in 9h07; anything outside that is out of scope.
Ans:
5h47
